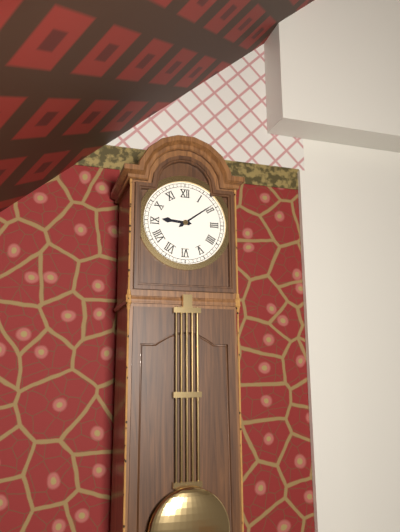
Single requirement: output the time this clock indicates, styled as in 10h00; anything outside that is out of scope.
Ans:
9h09
